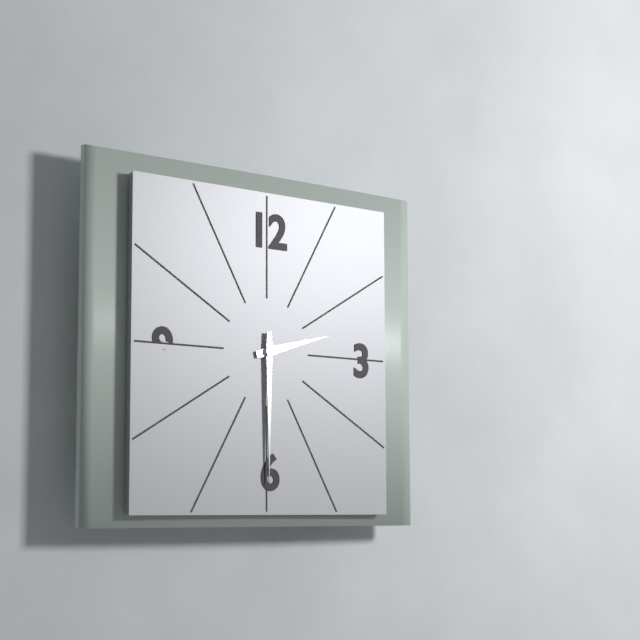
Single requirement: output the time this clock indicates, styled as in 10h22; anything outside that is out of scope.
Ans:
2h30
